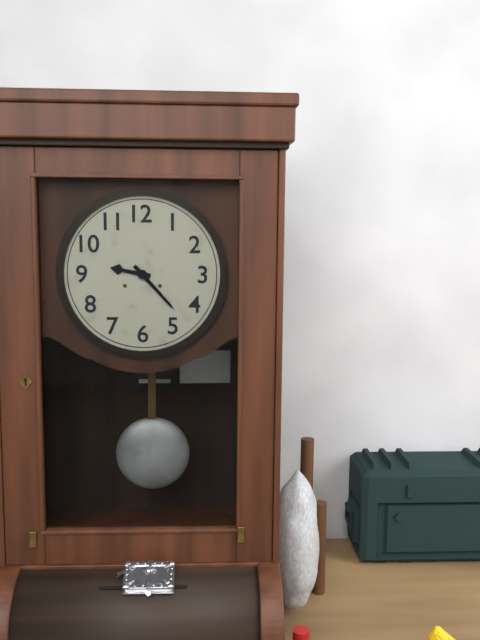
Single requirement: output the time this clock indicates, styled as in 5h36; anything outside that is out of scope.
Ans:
9h23
